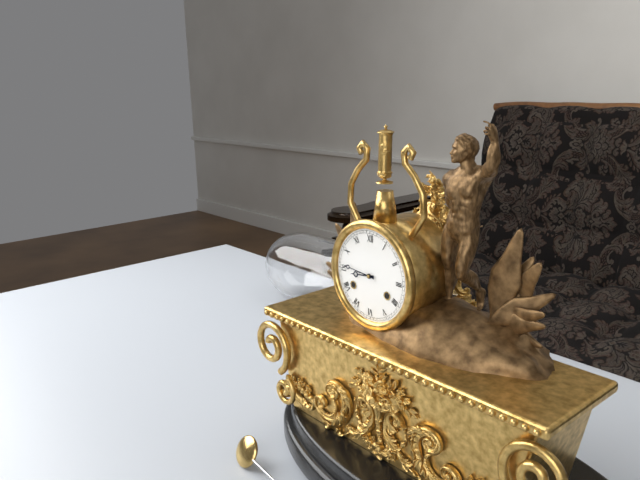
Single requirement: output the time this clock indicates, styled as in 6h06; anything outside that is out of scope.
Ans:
8h46
